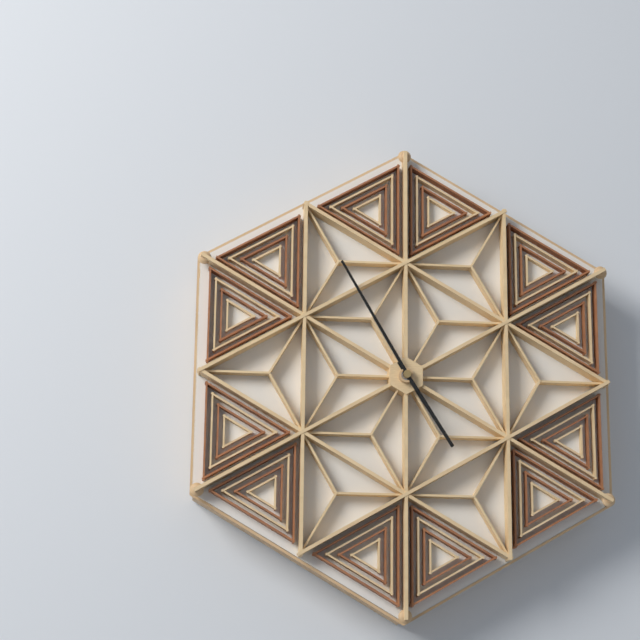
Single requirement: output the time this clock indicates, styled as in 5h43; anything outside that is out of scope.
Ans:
4h55
